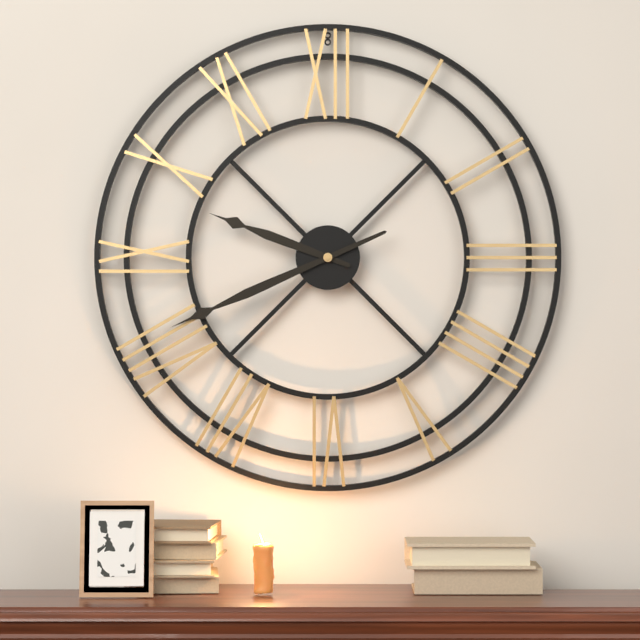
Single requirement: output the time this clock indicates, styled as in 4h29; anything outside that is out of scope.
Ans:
9h41
